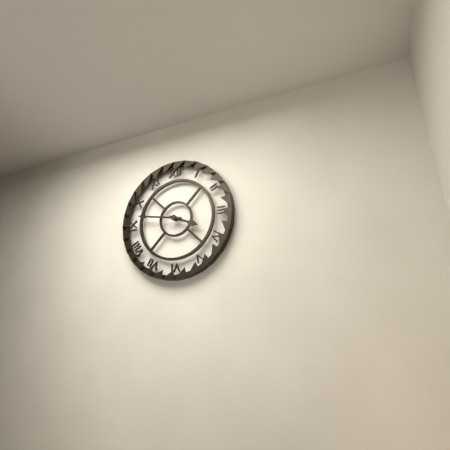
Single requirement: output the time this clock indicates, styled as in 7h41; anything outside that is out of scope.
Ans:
3h47
